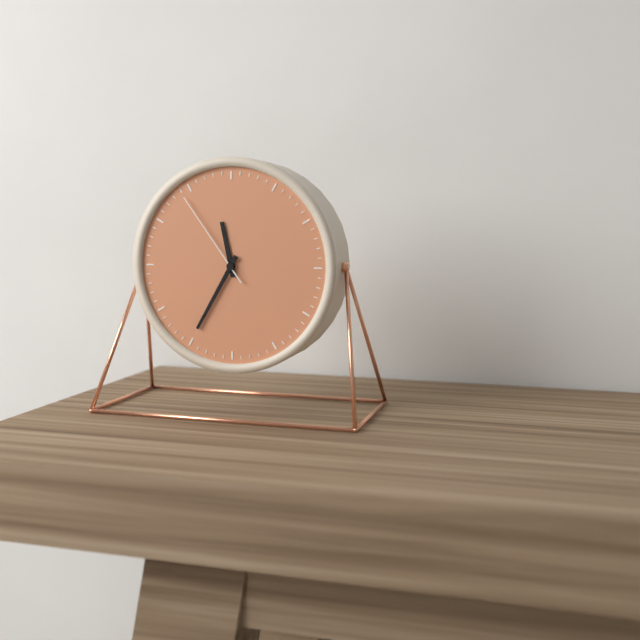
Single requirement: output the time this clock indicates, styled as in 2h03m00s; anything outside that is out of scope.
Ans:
11h35m54s
